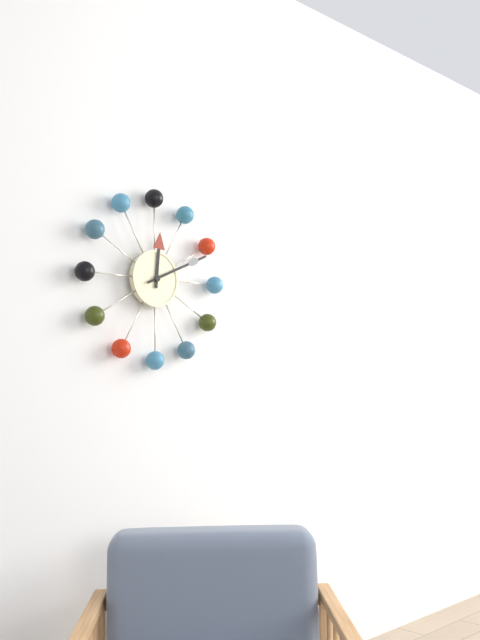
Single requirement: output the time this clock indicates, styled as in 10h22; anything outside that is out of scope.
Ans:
12h11
